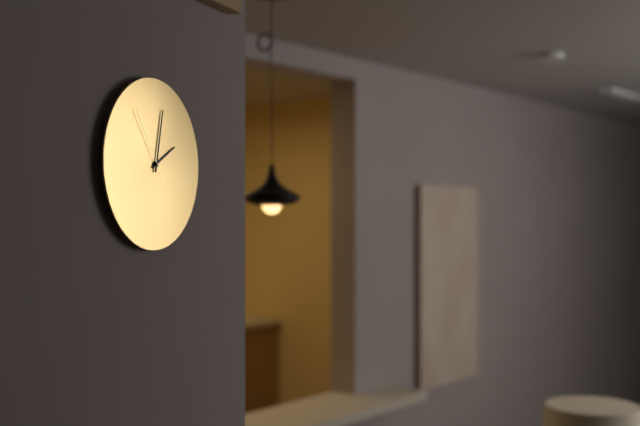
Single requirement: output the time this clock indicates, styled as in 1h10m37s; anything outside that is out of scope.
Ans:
2h02m54s
